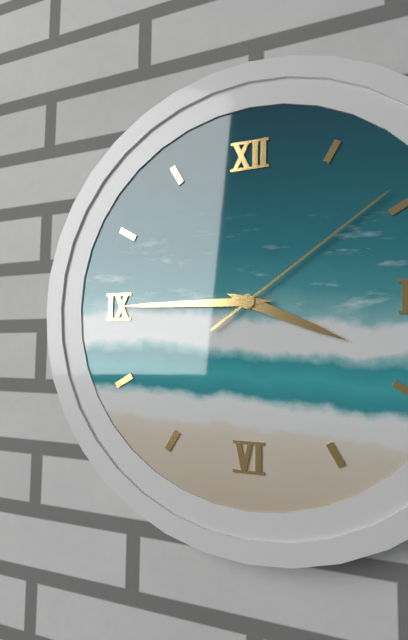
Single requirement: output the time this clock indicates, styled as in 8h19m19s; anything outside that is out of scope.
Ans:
3h45m09s
